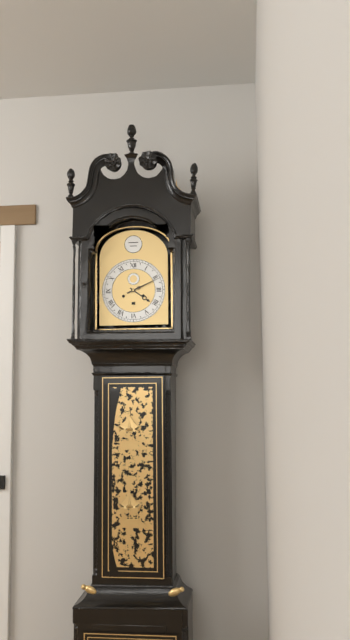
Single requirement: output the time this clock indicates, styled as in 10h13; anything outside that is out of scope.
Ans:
4h11
